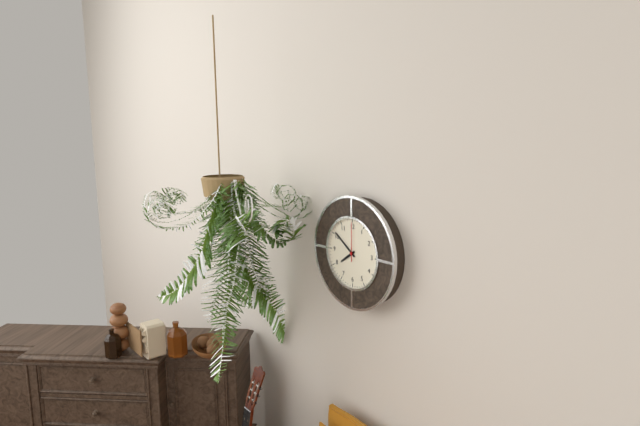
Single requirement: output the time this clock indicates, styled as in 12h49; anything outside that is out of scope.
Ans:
7h51
